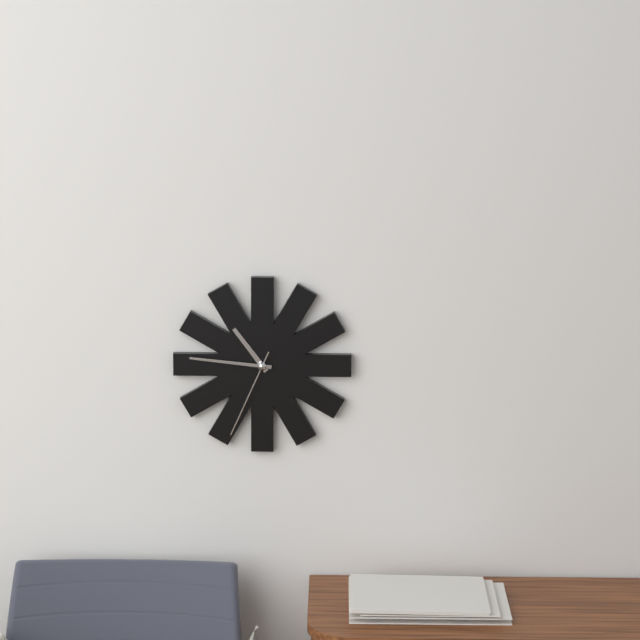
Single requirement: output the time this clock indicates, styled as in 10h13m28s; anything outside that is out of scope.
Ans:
10h46m34s
